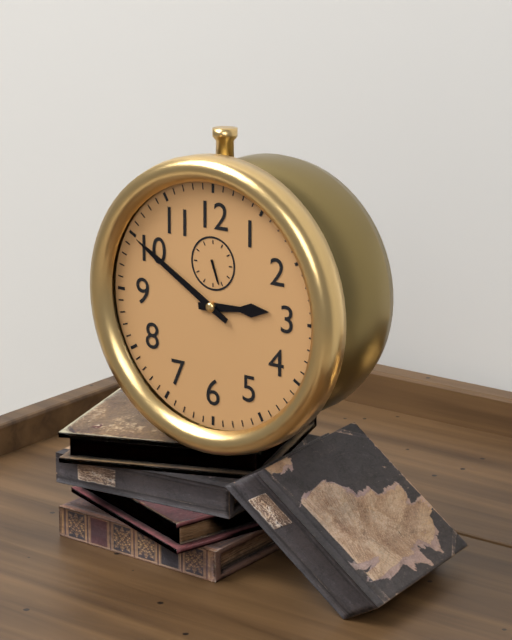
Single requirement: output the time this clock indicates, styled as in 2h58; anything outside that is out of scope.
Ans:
2h50
